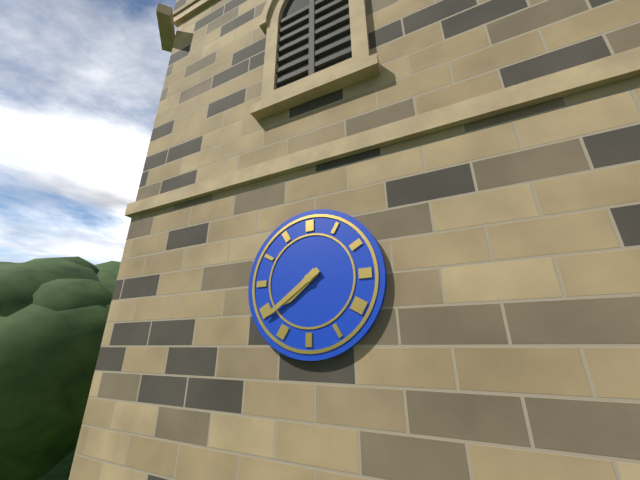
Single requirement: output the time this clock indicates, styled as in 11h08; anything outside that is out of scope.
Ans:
7h39
